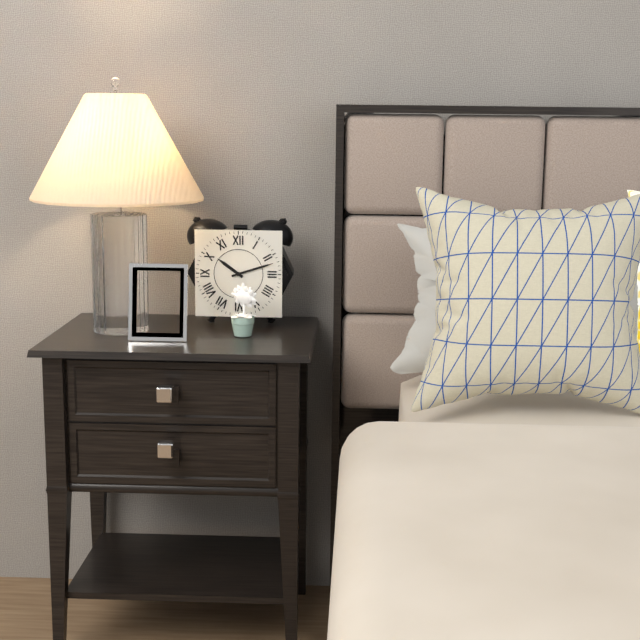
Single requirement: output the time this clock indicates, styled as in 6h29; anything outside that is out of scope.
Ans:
10h12
